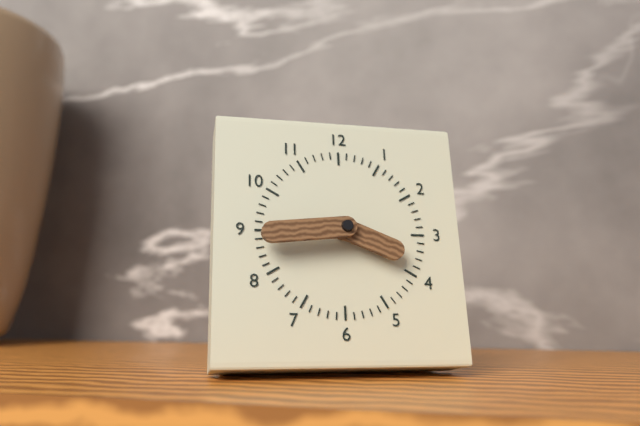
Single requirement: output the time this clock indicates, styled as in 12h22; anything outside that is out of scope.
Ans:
3h44
